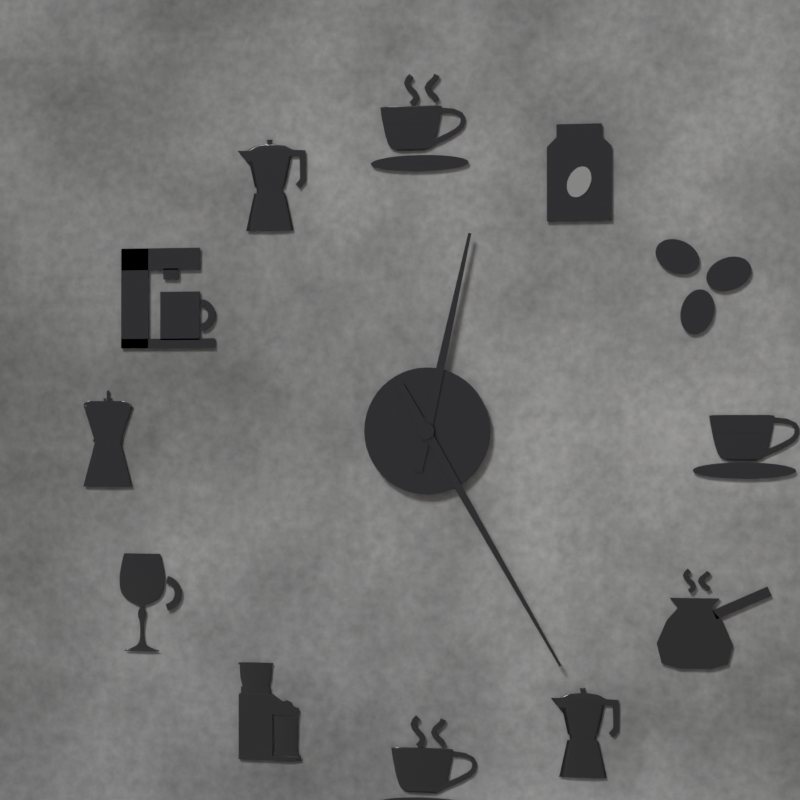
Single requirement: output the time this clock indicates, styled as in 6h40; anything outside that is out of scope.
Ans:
12h25
